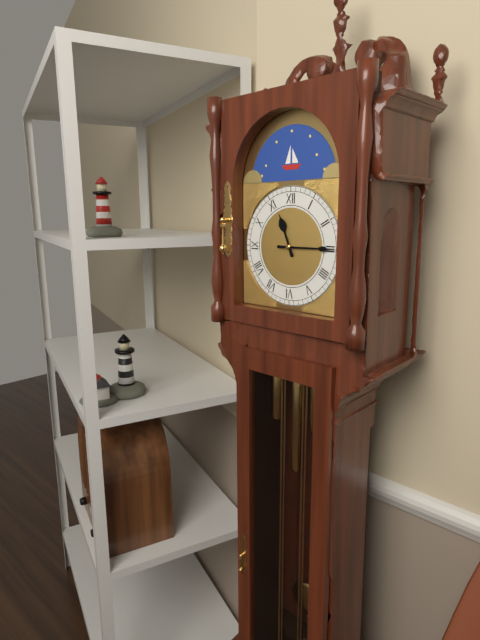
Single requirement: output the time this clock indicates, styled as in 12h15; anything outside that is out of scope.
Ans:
11h15
